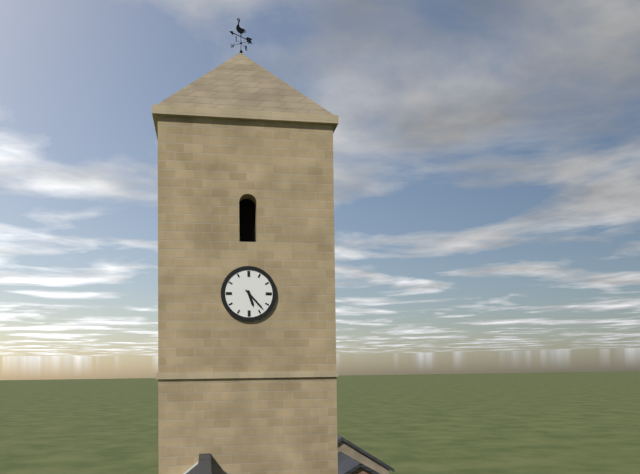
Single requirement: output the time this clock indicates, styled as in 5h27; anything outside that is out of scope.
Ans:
5h23
